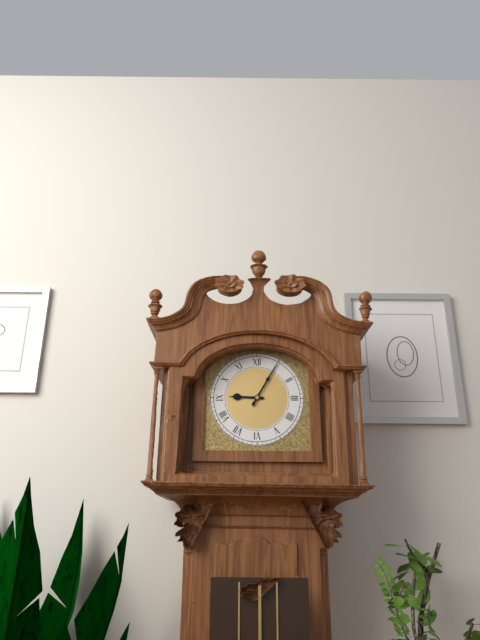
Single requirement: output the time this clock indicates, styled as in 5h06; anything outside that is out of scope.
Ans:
9h05
